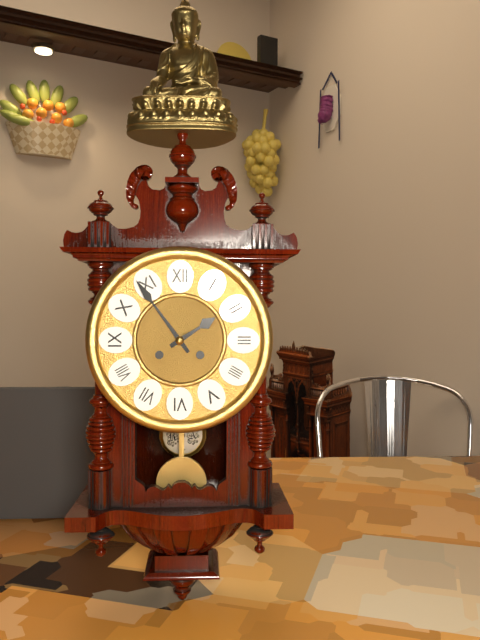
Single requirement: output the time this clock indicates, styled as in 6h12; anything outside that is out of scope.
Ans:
1h54
